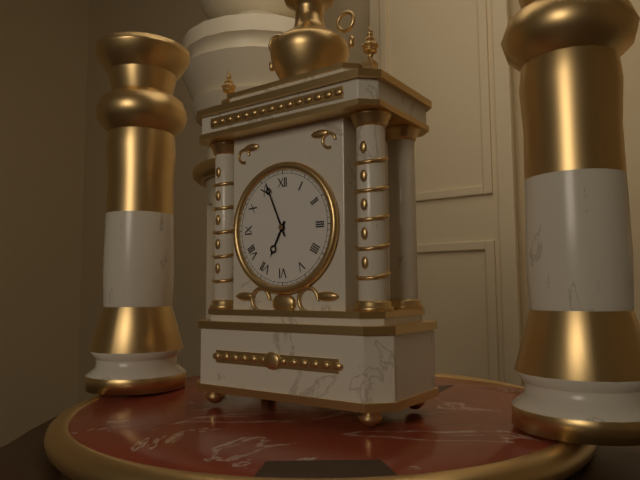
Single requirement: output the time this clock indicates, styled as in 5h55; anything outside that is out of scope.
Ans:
6h56
